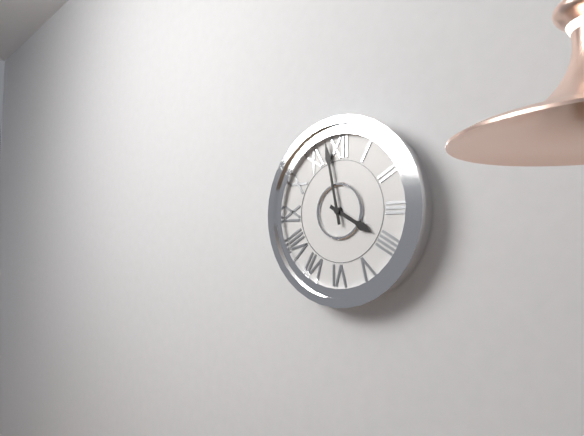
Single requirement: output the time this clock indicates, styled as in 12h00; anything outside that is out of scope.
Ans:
3h58
